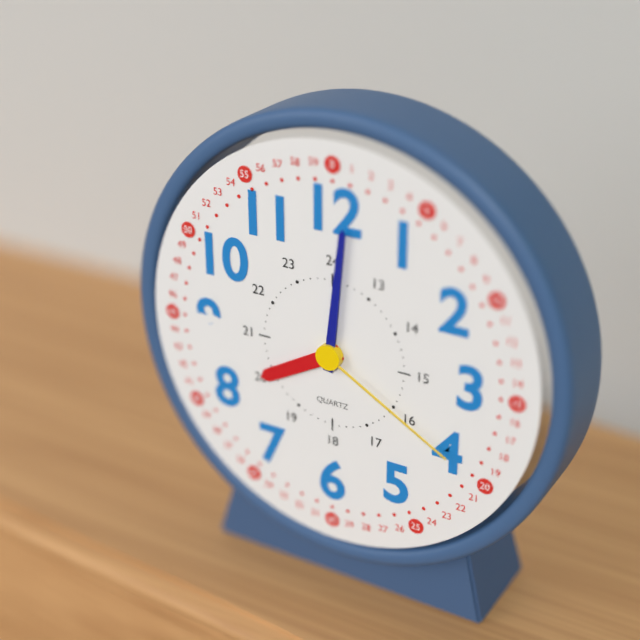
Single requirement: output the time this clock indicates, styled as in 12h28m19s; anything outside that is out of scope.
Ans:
8h01m20s
